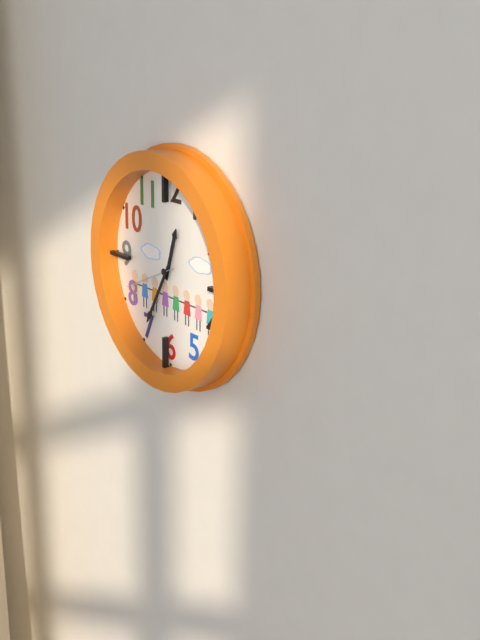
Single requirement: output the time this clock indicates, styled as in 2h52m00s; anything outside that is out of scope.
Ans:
12h35m41s
